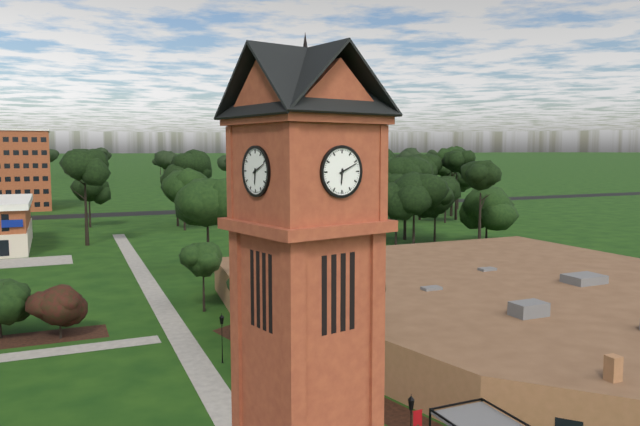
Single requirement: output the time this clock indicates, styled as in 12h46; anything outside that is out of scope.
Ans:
6h11
